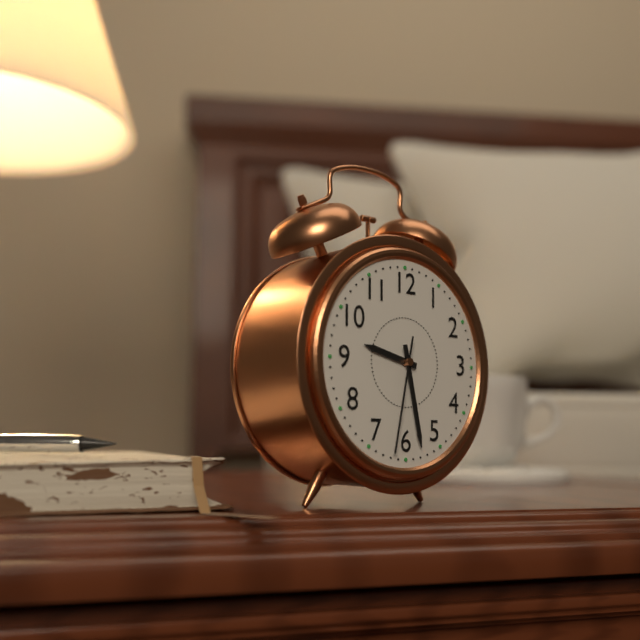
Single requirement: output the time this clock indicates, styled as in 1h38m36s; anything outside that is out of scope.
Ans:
9h28m32s
